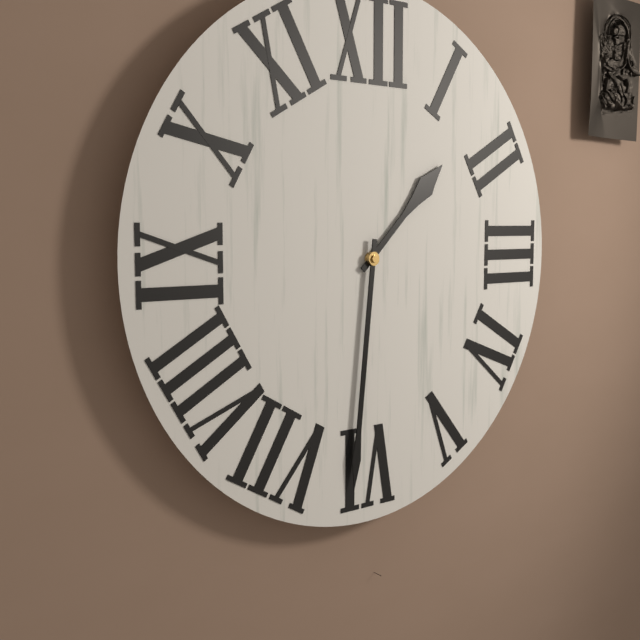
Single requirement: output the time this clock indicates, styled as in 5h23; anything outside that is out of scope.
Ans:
1h31
